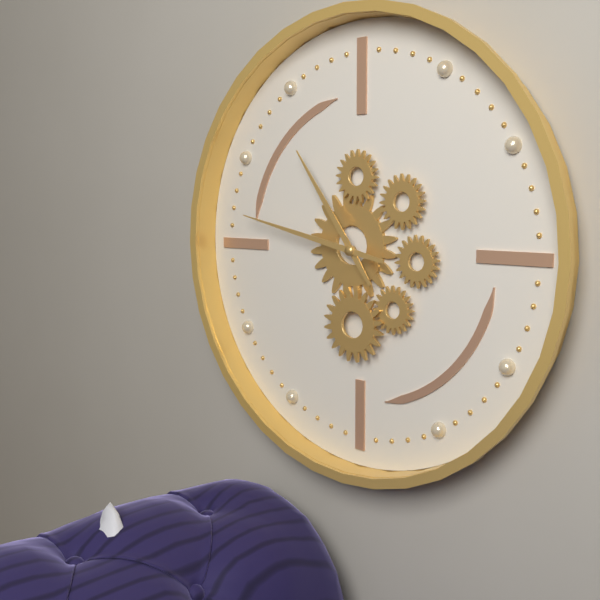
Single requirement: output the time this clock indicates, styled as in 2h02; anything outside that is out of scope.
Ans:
10h47
